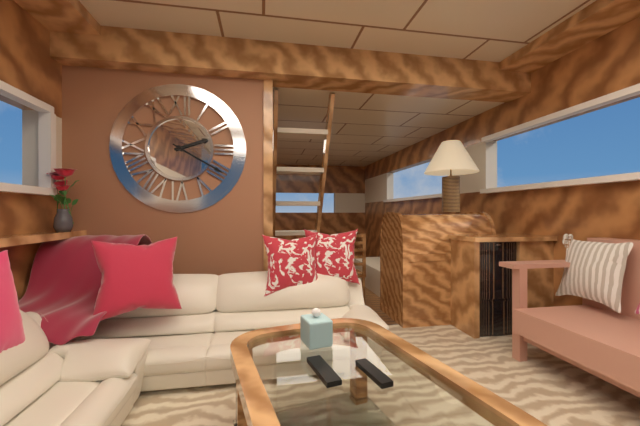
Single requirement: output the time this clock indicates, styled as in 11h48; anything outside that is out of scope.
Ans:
2h20
